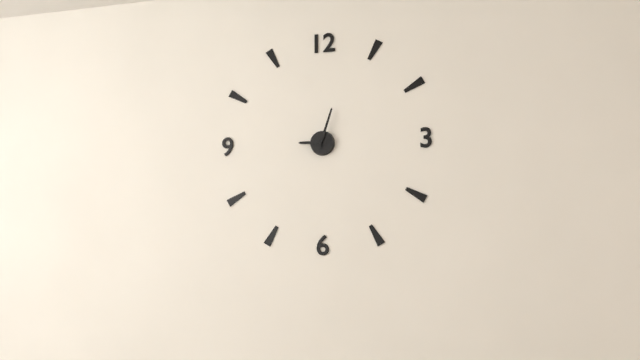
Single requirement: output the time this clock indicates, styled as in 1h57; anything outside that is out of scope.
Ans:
9h03
